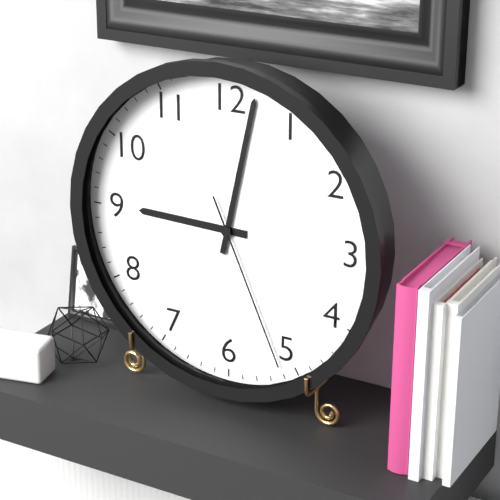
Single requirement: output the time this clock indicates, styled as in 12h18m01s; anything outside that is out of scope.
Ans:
9h02m26s
